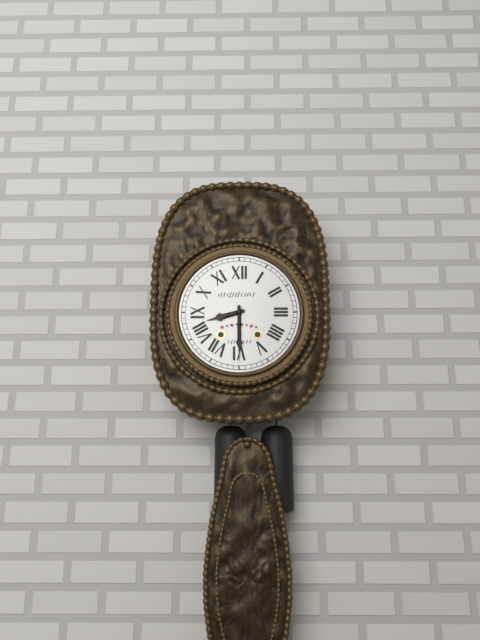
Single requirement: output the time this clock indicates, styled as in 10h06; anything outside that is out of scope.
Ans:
8h30
